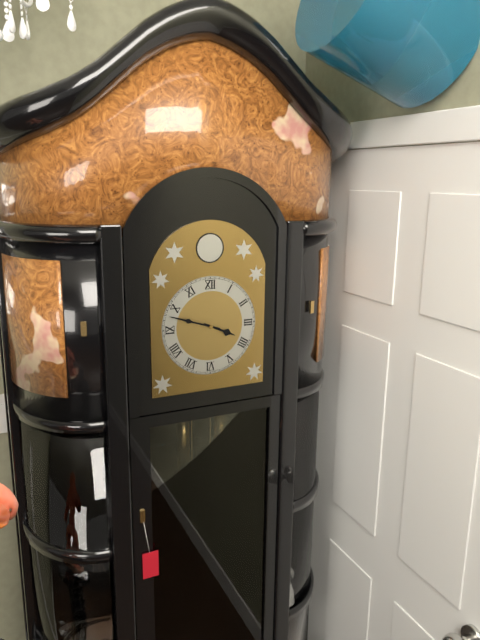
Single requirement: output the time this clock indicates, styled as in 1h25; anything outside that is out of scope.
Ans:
3h48
